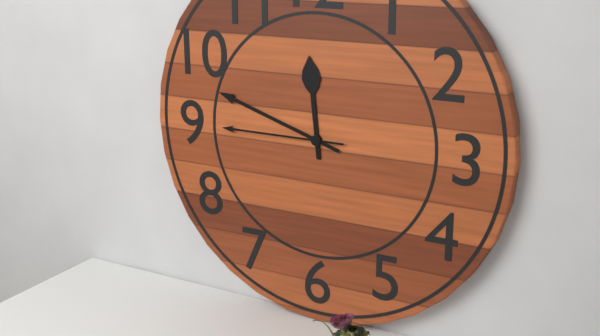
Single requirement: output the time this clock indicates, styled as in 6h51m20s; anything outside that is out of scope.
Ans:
11h48m45s
